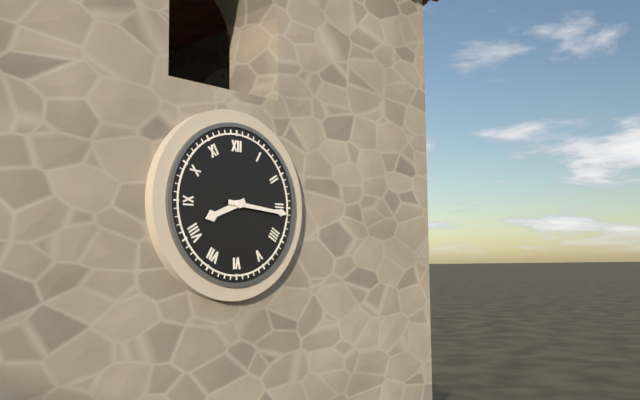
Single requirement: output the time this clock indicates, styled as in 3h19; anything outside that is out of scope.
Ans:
8h16
